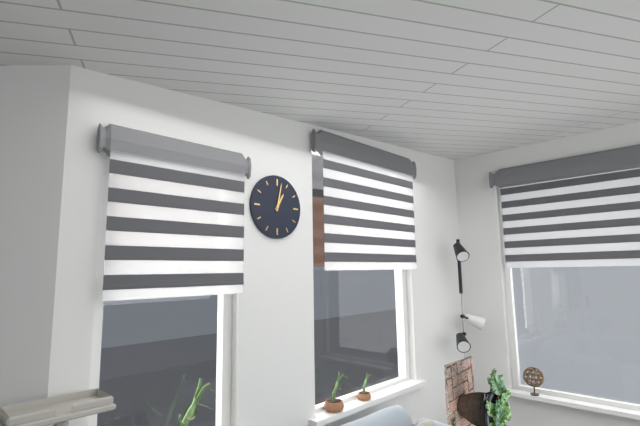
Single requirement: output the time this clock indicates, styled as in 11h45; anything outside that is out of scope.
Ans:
1h02
